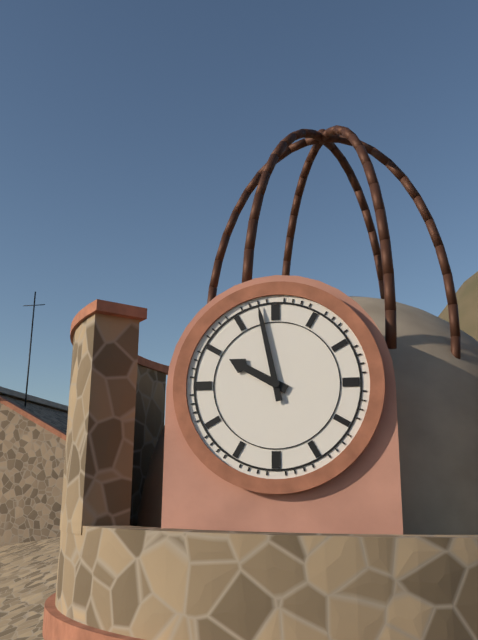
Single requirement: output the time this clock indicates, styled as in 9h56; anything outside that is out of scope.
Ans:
9h58
